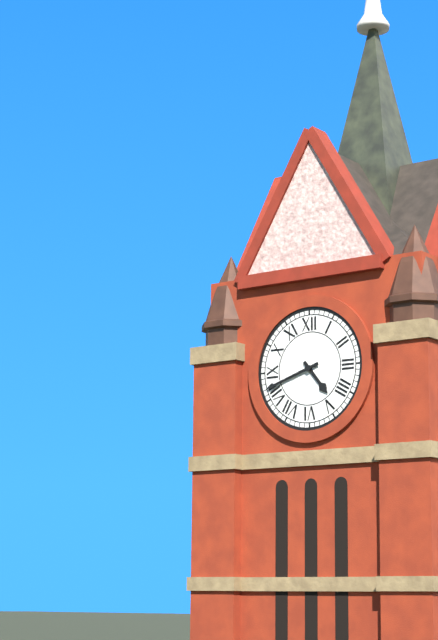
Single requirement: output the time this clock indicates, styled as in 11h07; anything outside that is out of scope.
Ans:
4h42
